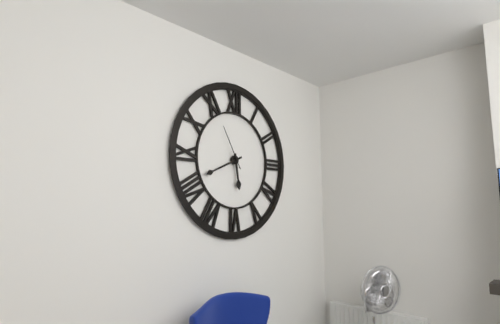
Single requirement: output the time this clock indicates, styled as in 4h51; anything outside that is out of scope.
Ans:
5h41
